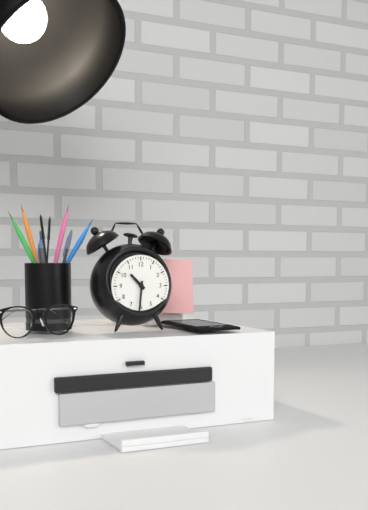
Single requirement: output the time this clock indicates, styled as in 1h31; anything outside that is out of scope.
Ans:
10h31
